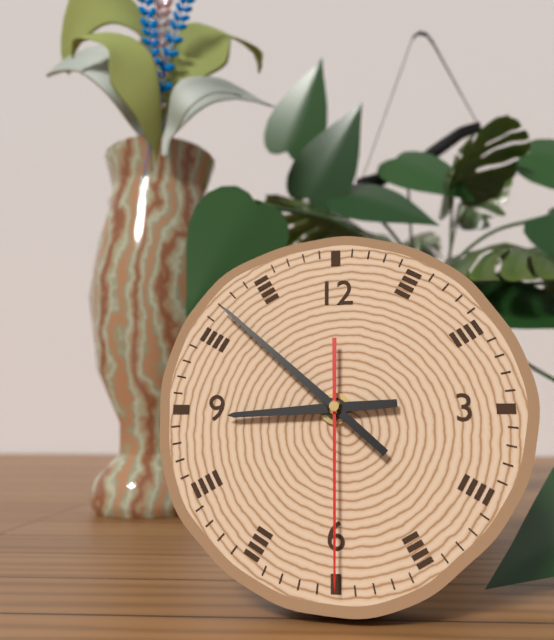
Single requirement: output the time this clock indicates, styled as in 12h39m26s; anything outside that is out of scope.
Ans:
8h52m30s
